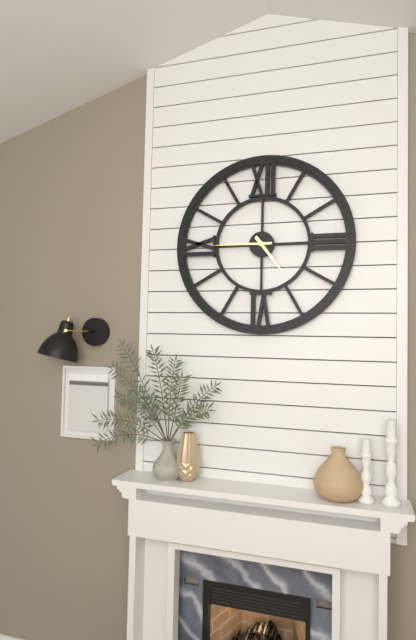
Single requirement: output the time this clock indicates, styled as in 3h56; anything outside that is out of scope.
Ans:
4h45
